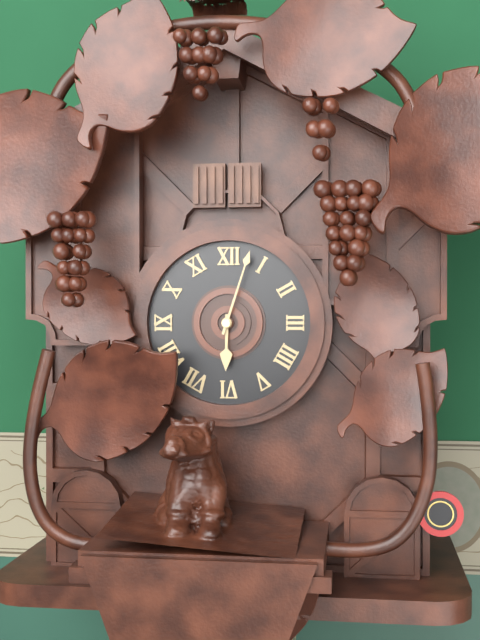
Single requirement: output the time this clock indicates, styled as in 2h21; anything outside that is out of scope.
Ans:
6h03
